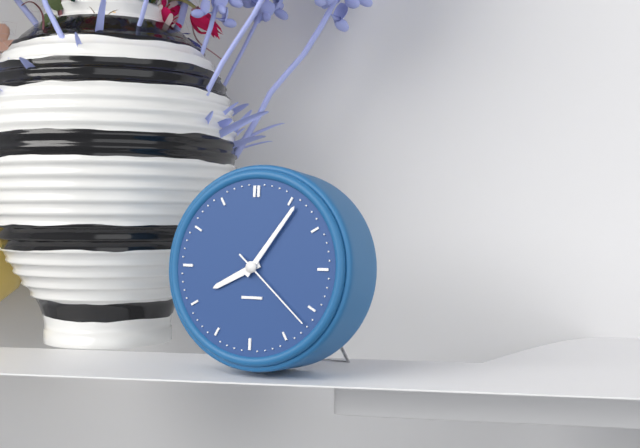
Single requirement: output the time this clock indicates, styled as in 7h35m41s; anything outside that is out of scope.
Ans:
8h06m22s
